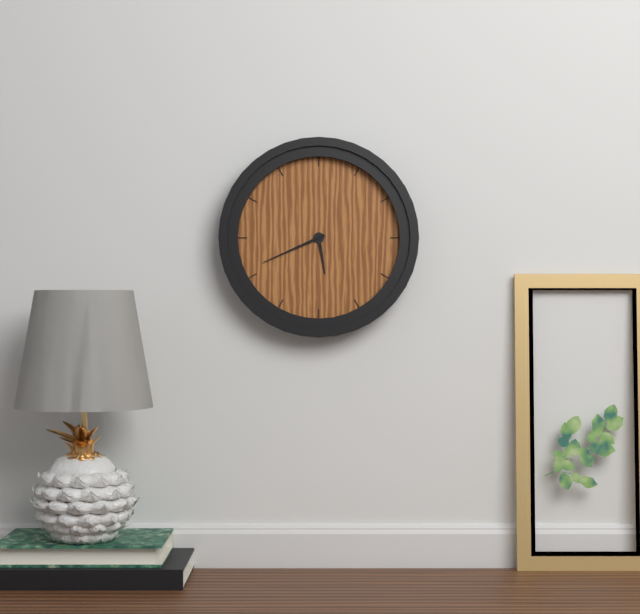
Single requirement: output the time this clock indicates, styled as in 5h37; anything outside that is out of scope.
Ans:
5h41
